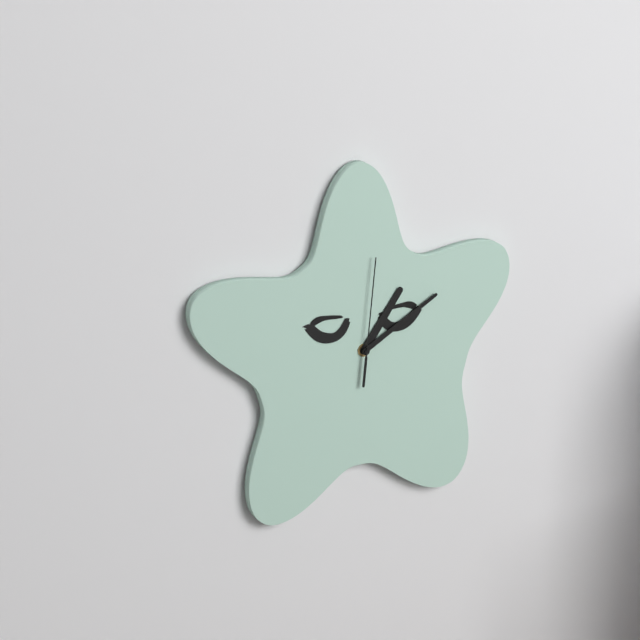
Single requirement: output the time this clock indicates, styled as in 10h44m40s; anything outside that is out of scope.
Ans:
1h10m01s
